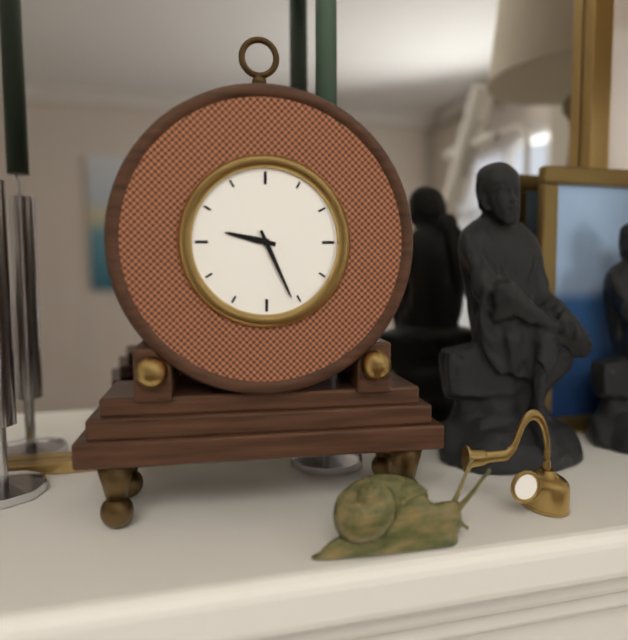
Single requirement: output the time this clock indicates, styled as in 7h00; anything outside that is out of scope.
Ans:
9h26
